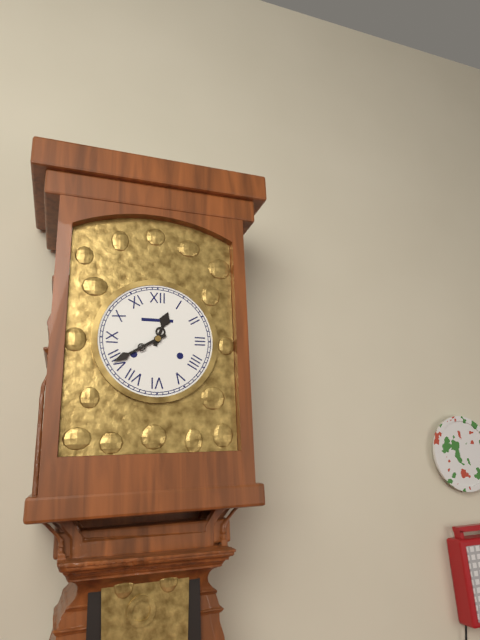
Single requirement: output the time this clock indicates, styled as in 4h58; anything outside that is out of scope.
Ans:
12h40
